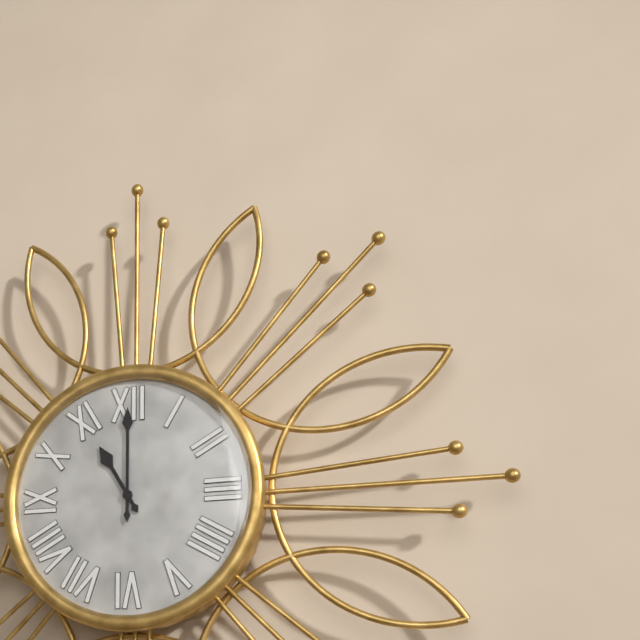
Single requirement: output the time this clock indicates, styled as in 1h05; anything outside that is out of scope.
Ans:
11h00
